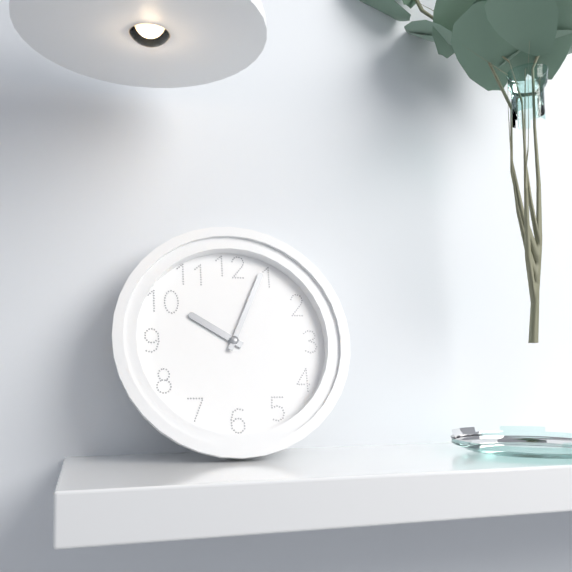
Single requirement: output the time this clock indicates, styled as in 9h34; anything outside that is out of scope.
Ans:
10h04
